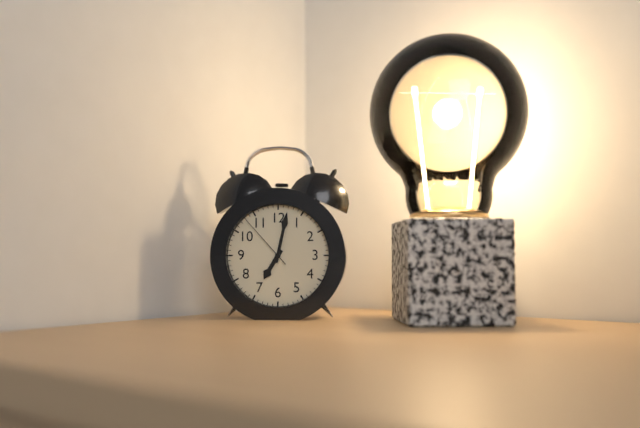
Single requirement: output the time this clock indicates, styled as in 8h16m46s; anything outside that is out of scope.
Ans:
7h02m53s
